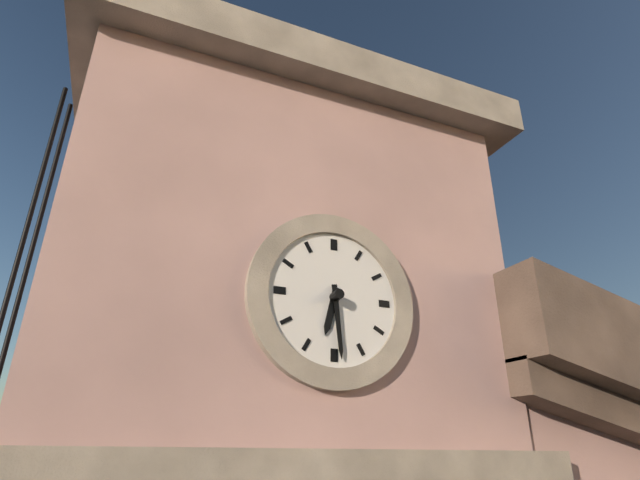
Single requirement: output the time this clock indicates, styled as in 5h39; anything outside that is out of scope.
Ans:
6h29
